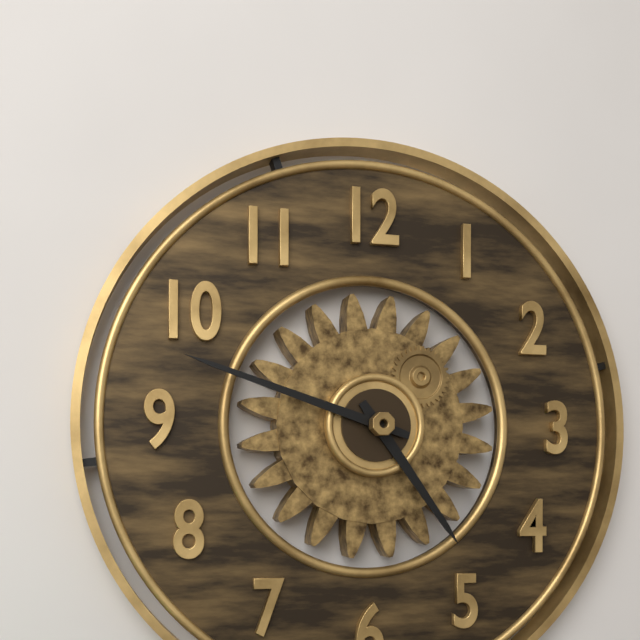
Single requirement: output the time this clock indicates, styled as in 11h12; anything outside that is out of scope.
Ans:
4h48
